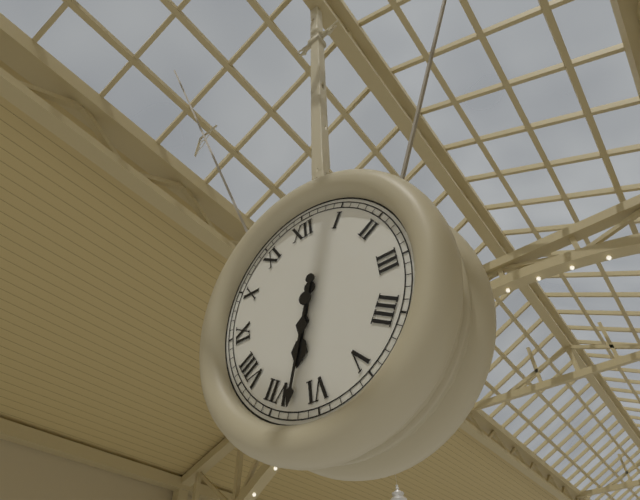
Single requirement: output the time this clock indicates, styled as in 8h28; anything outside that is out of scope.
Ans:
6h33
